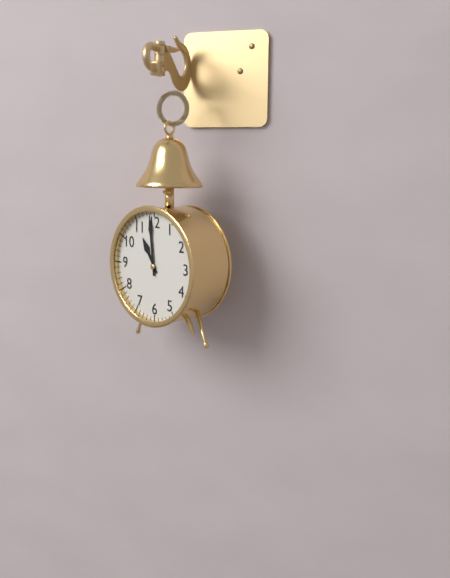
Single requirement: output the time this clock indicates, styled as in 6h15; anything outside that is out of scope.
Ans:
10h59
